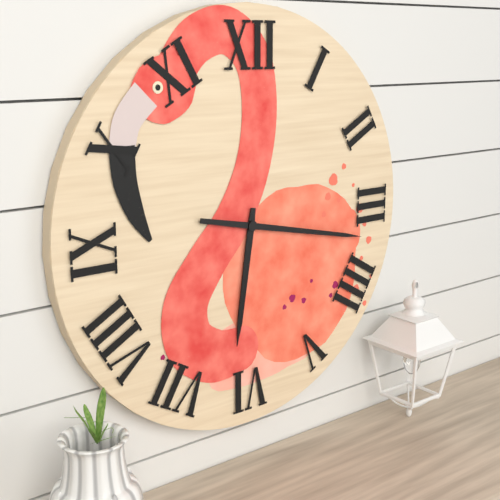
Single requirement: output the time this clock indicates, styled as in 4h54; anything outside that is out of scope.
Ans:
6h17
